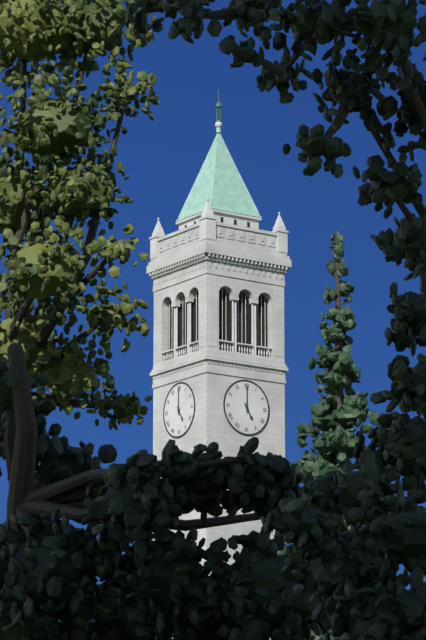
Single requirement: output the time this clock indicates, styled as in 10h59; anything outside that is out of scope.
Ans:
5h00
